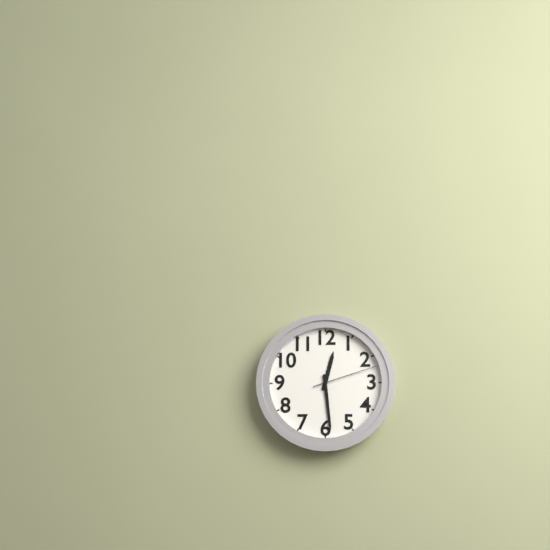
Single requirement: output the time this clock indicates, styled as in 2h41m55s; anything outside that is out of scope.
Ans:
12h29m12s
